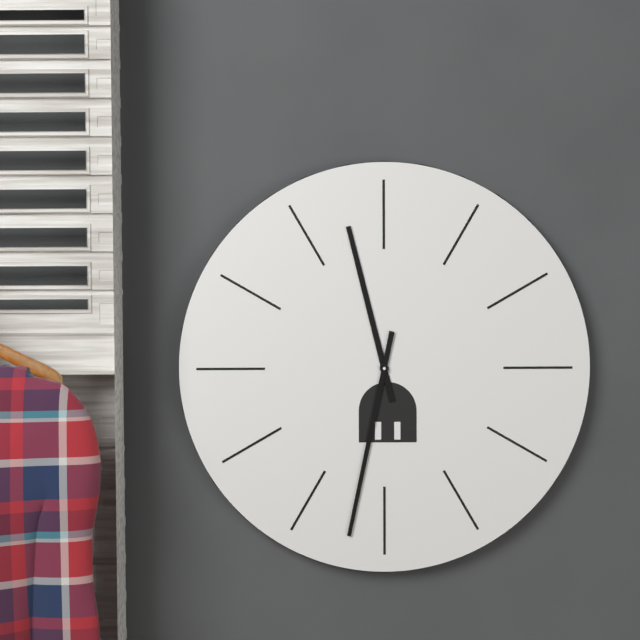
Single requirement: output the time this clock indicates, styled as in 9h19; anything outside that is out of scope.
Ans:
11h32
